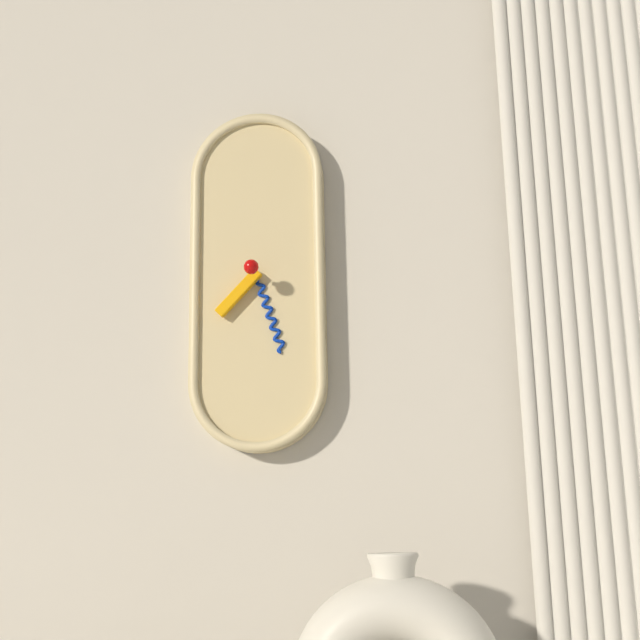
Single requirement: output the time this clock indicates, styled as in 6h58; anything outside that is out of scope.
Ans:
7h27
